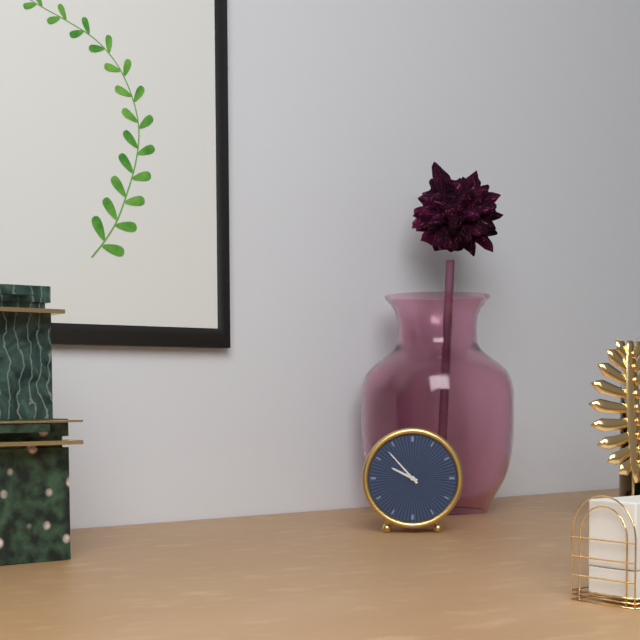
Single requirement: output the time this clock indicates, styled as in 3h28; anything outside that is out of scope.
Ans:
9h53
